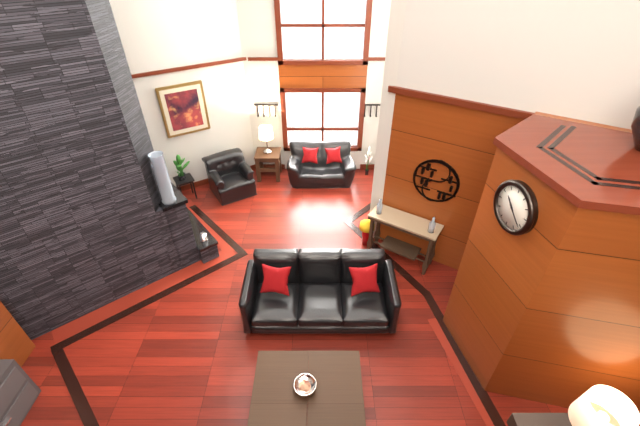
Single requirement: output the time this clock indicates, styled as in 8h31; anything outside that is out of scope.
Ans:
10h21
